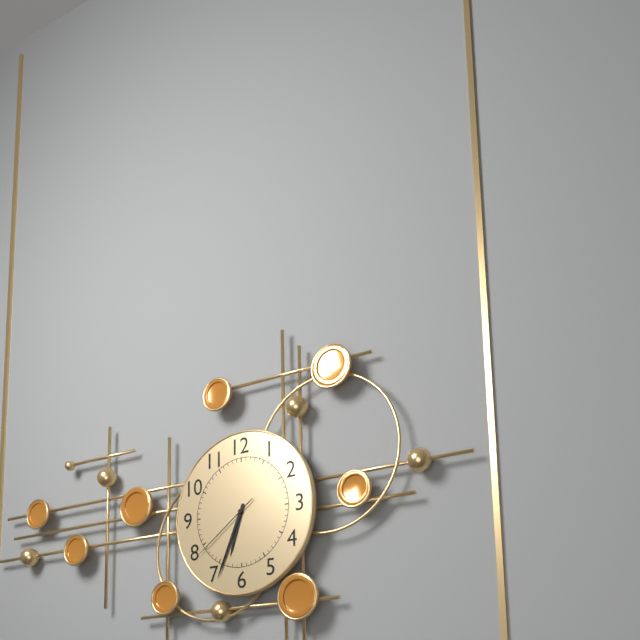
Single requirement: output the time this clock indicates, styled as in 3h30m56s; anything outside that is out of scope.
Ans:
6h34m39s
